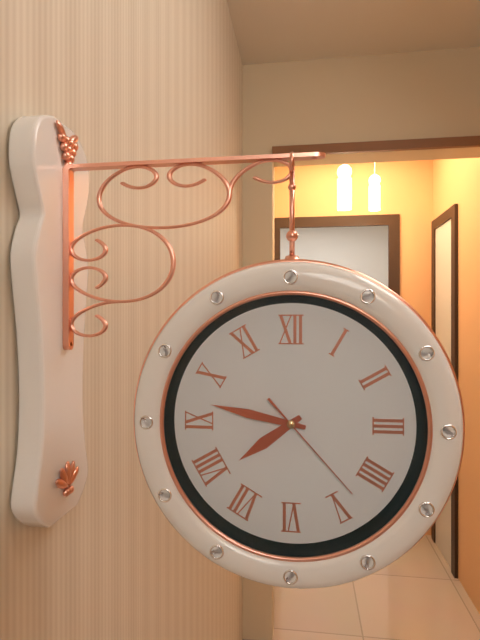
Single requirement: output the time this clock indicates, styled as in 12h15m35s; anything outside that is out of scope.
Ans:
7h47m23s
